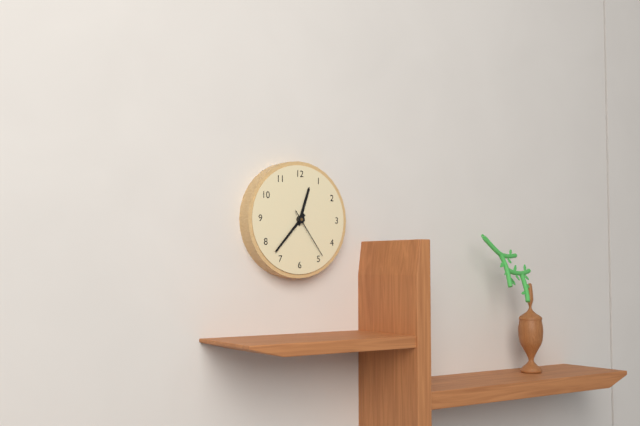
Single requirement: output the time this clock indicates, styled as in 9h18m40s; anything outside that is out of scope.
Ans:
12h37m24s
